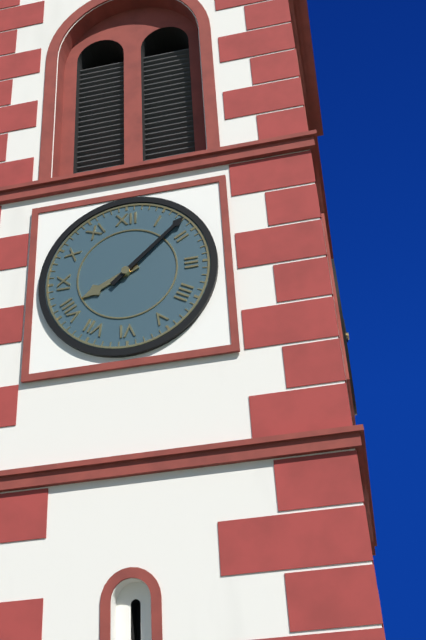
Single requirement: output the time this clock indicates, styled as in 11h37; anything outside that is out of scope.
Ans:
8h08
